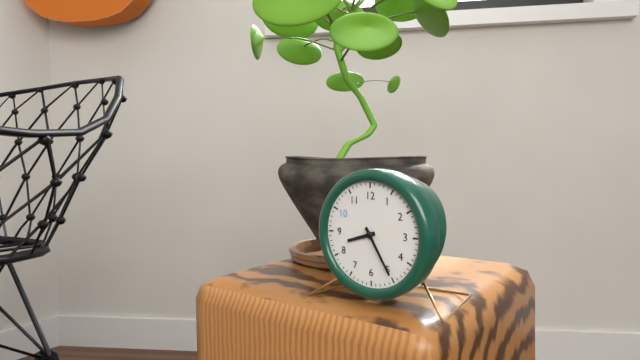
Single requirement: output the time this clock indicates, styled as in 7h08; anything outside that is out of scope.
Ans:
8h25
